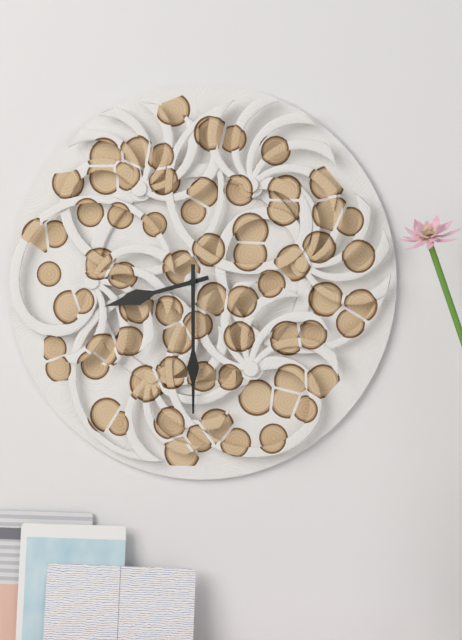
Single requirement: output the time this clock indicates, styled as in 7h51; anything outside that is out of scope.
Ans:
8h30
